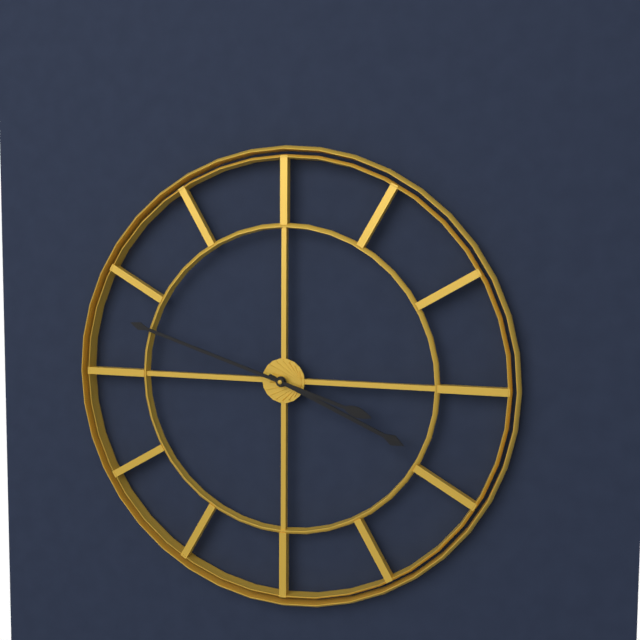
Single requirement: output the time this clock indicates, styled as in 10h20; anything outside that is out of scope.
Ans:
3h48
